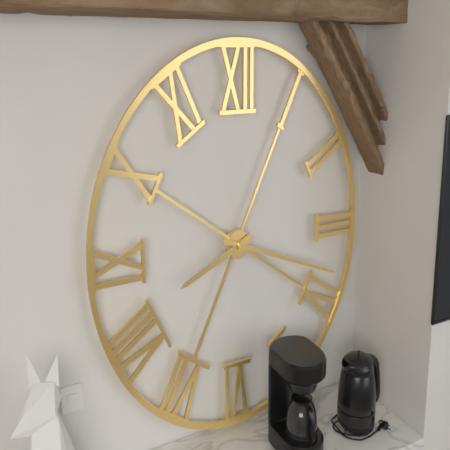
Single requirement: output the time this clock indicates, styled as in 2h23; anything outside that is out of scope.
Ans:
8h18
